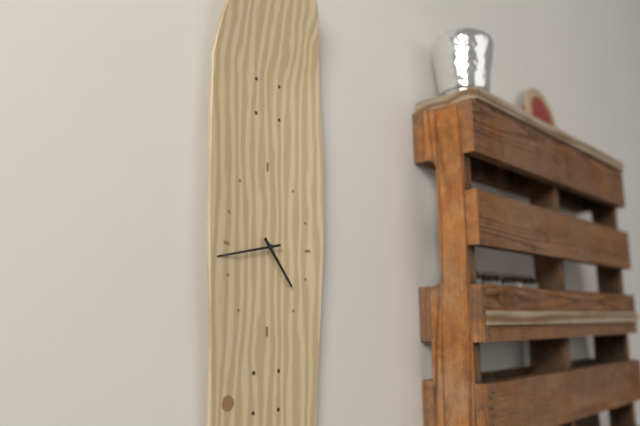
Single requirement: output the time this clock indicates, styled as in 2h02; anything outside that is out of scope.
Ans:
4h43
